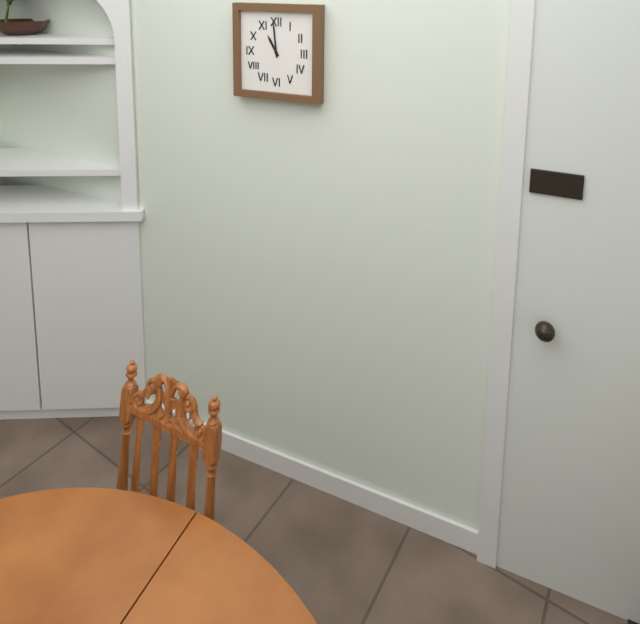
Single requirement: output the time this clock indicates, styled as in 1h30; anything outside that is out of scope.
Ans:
10h59
